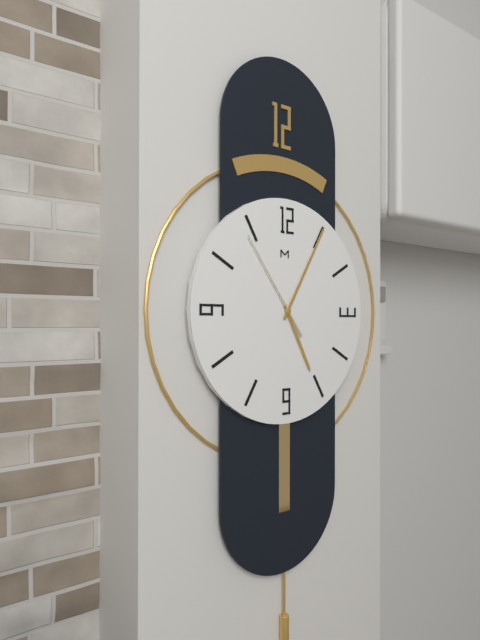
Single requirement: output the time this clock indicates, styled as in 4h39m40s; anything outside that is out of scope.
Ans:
5h05m54s
